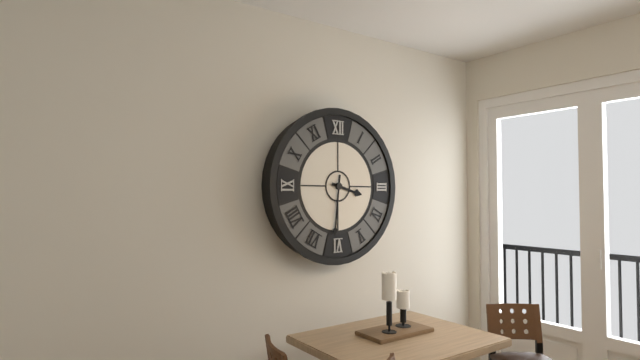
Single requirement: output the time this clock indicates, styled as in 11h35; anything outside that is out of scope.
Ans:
3h31
